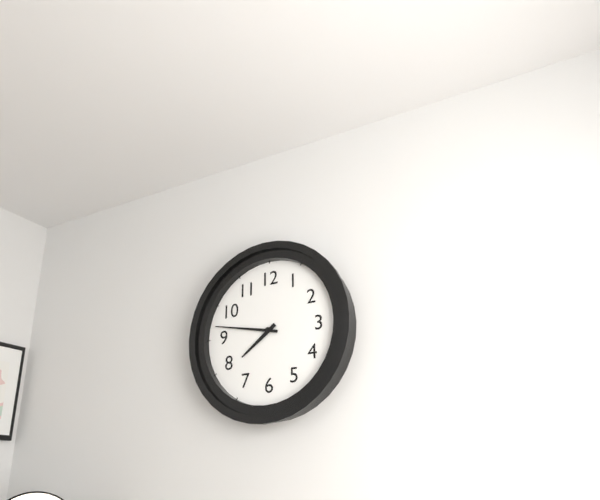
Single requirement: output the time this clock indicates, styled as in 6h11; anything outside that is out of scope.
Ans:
7h47
